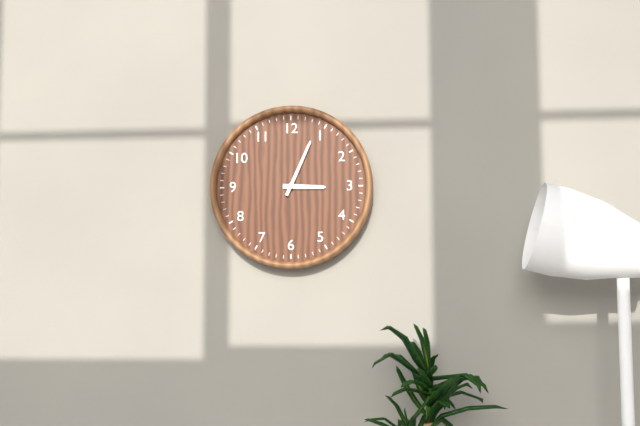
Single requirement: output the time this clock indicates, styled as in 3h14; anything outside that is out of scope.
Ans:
3h04
